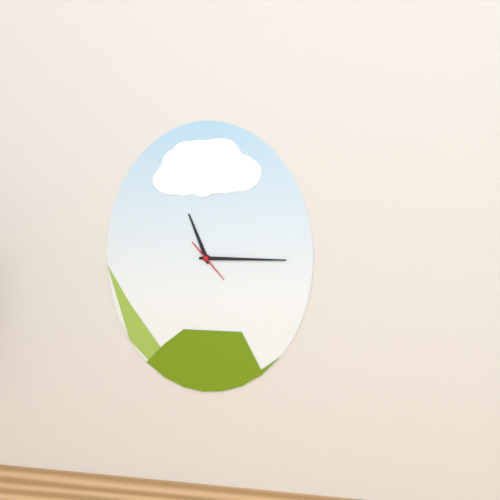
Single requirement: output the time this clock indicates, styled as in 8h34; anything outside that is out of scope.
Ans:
11h15
